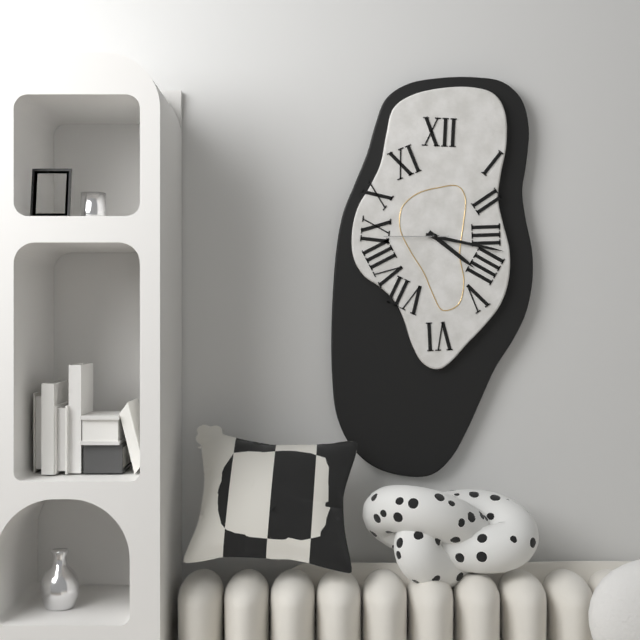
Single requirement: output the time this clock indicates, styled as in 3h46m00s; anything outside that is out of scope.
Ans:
4h17m45s
